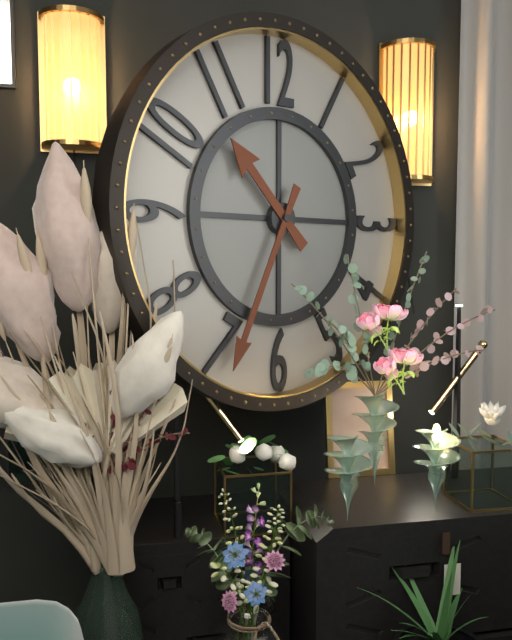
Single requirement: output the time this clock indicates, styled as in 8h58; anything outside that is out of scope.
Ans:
10h34
